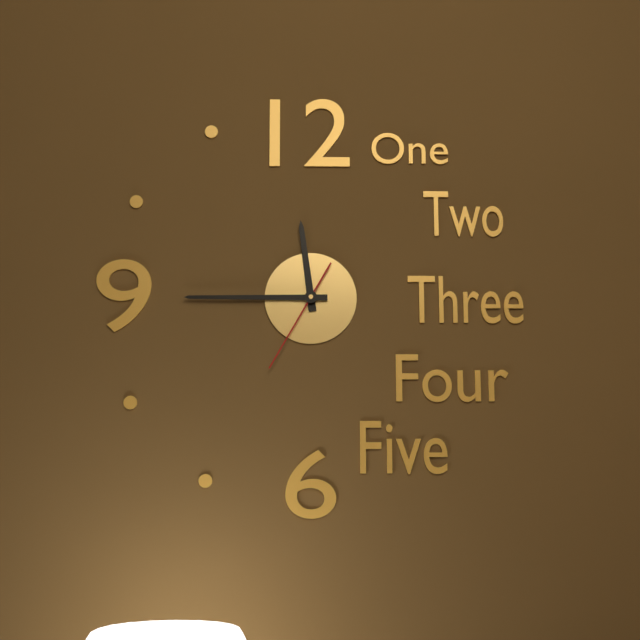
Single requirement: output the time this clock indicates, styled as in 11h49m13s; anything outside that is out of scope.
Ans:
11h45m35s
